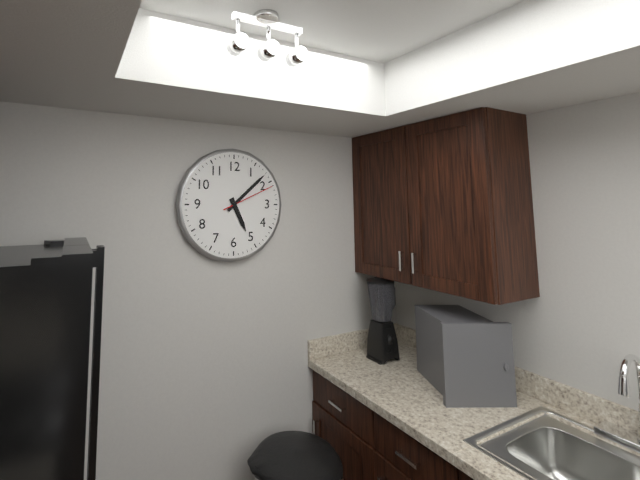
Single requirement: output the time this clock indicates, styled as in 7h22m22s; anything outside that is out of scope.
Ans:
5h08m11s
